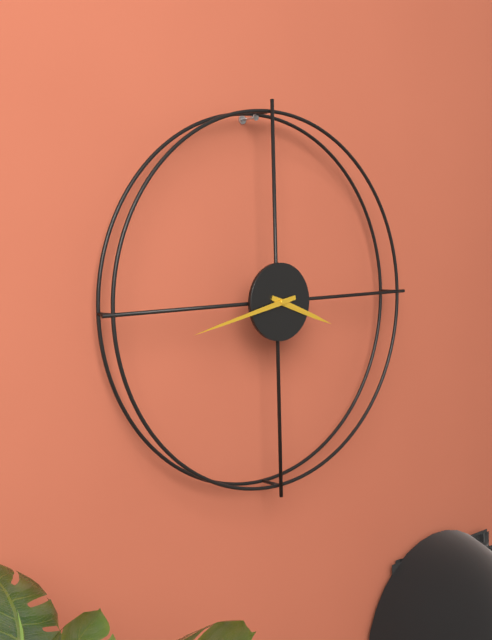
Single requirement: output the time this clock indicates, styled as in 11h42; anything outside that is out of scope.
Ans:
3h43
